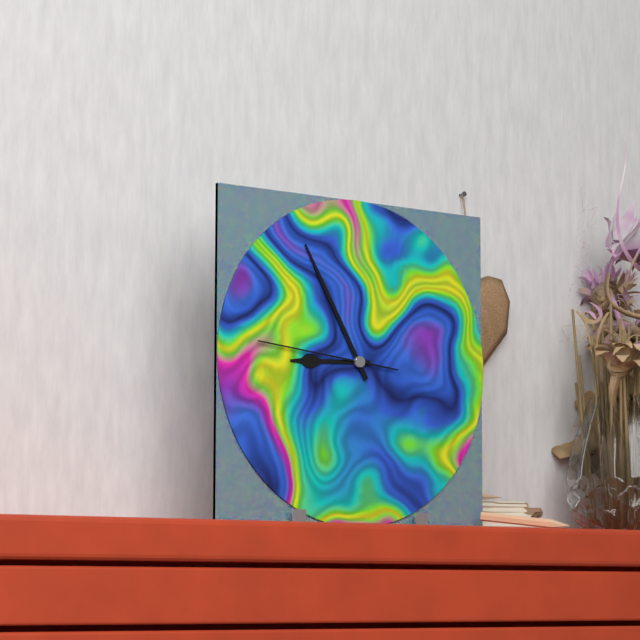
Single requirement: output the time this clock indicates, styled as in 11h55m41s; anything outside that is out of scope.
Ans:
8h55m46s
